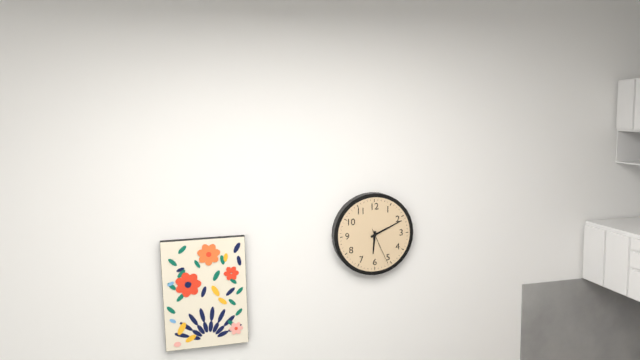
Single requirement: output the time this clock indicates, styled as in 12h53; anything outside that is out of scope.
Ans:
6h11
